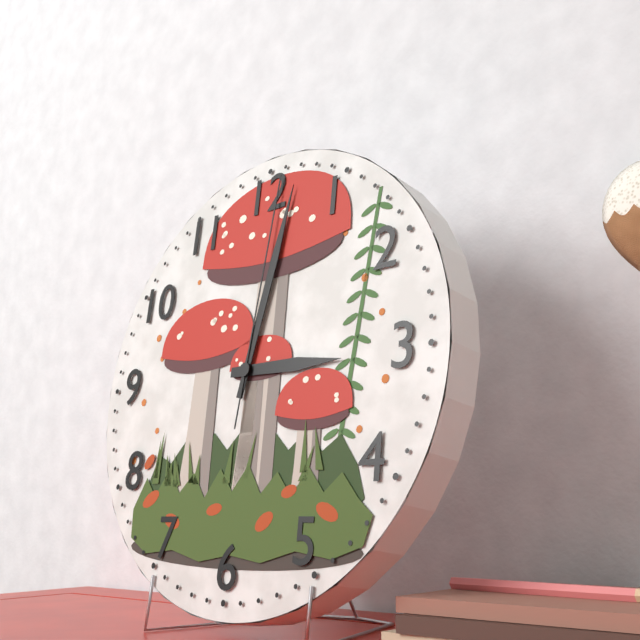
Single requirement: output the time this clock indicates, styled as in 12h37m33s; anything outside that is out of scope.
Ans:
3h02m01s
